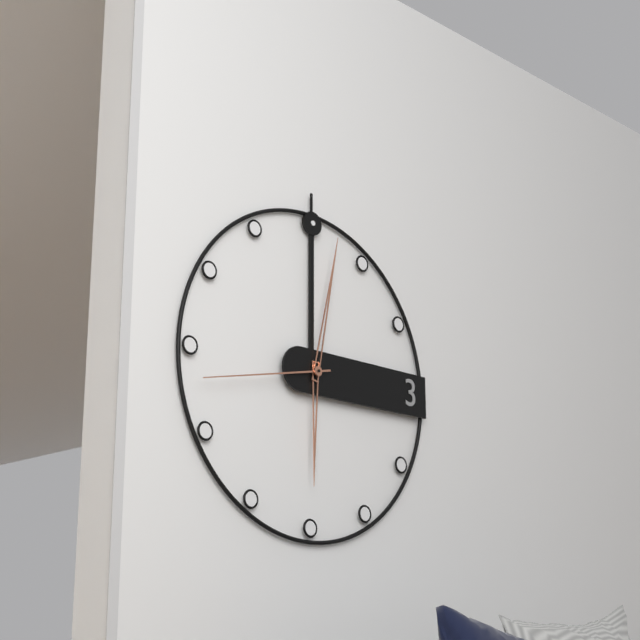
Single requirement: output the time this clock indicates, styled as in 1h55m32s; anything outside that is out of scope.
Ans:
6h02m43s
